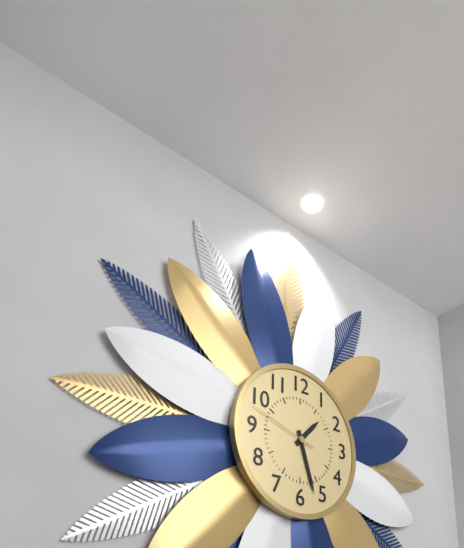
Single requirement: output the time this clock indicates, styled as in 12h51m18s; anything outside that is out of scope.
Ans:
1h27m48s
